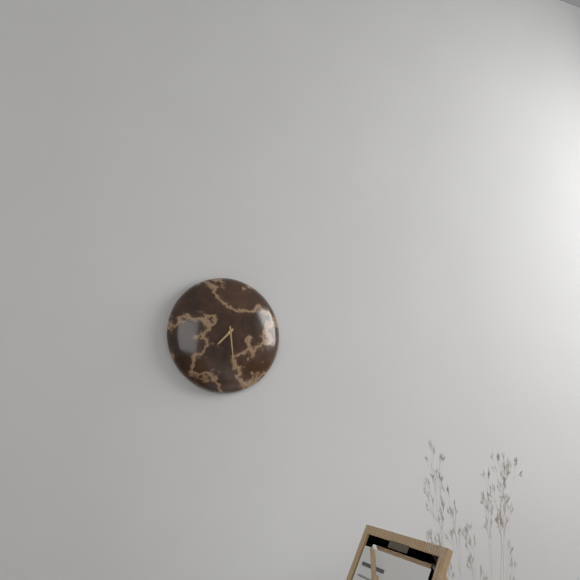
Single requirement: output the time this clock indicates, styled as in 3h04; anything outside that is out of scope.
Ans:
7h29
